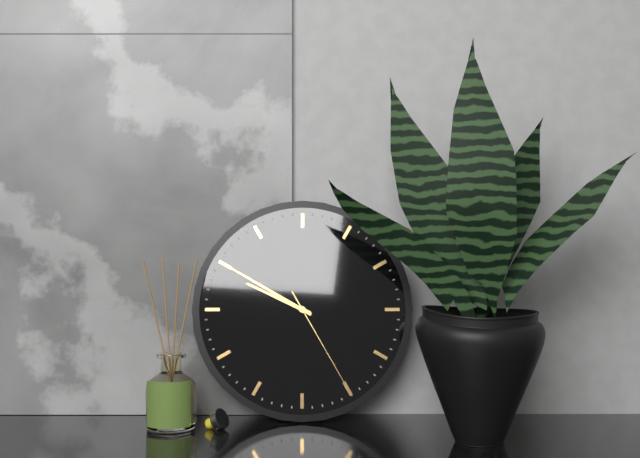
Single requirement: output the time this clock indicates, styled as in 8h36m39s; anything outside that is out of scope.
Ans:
9h50m25s
